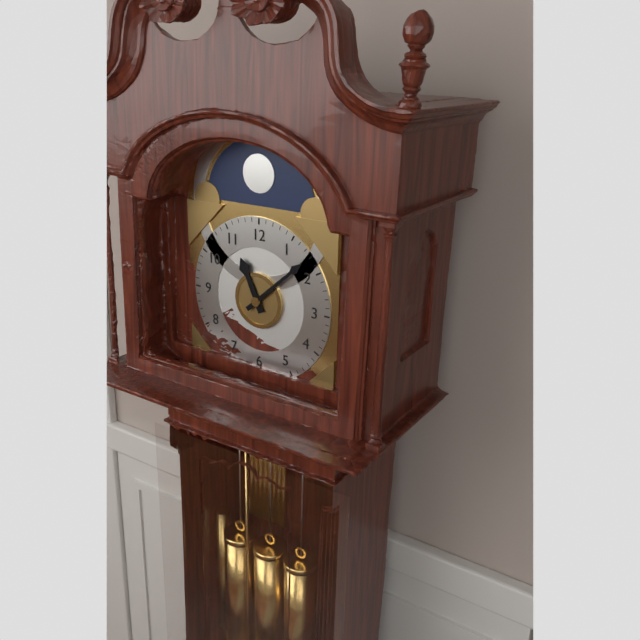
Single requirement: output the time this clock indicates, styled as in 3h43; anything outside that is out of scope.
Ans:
11h08
